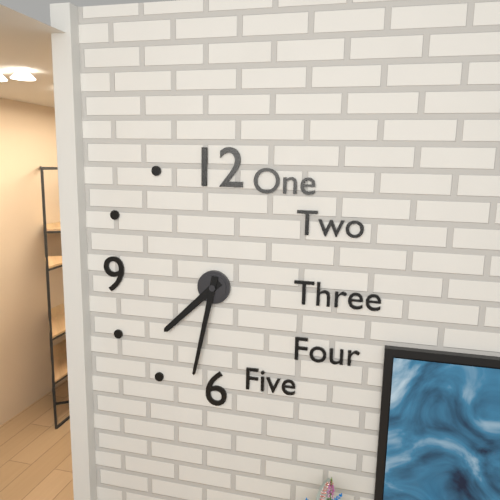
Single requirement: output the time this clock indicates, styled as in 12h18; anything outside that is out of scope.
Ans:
7h32
